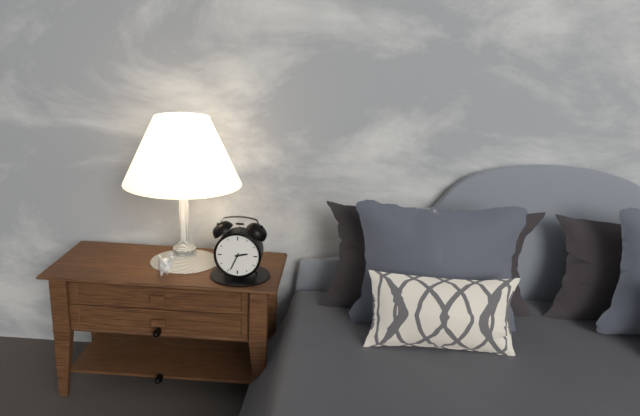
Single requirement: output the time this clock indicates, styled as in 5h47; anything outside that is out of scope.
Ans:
2h34
